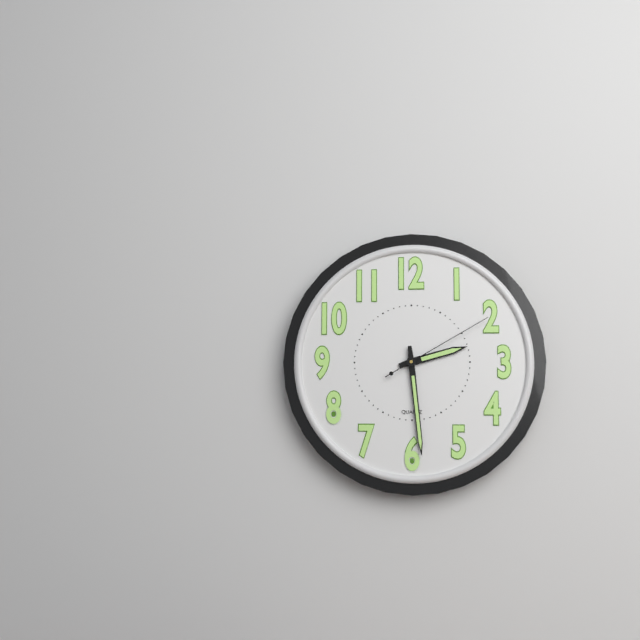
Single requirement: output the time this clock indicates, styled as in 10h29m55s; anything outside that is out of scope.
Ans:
2h29m10s
